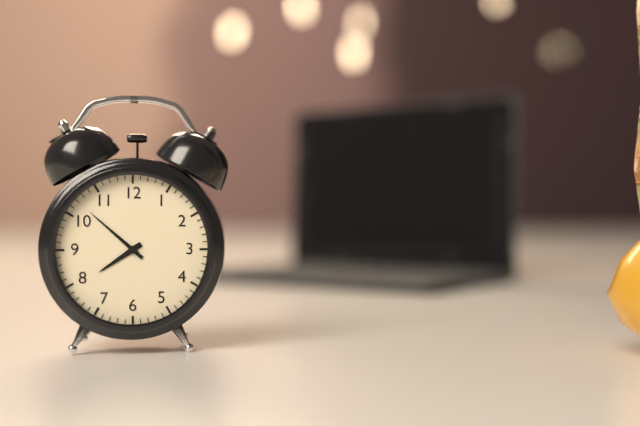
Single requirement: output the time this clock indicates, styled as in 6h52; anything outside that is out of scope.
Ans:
7h52
